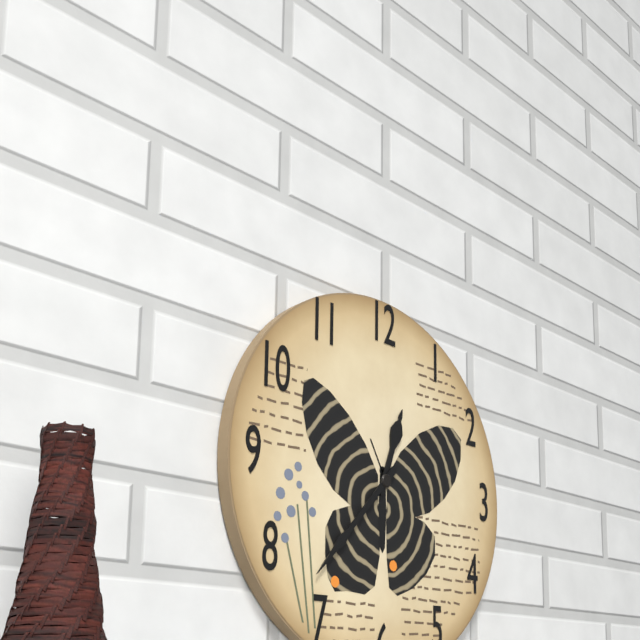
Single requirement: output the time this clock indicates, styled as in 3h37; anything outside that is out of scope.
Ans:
12h37
